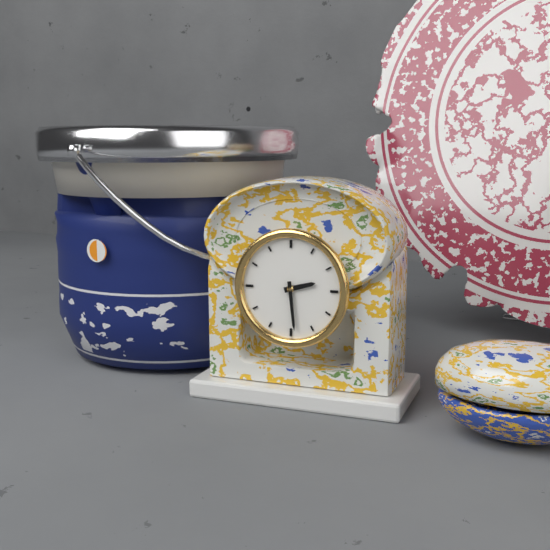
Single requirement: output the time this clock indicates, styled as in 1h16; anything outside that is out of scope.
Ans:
2h29
